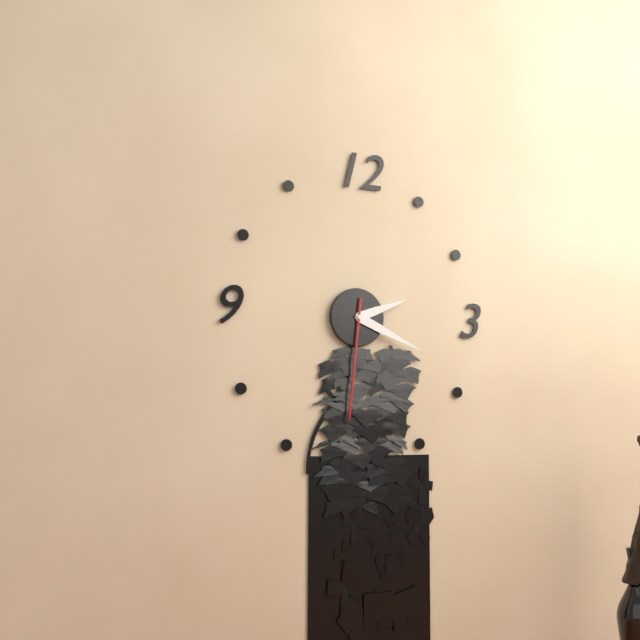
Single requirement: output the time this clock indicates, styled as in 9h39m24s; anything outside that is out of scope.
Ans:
2h19m31s
